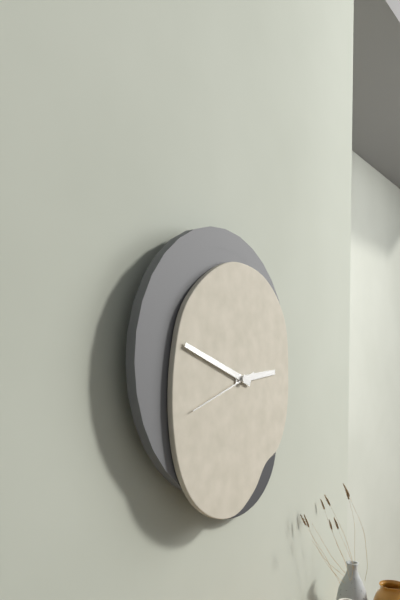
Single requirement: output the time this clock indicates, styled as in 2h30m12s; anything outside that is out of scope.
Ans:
2h48m42s
